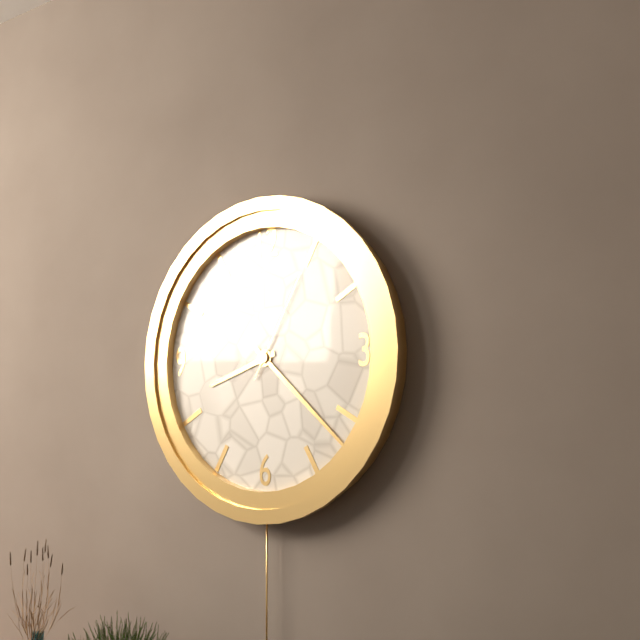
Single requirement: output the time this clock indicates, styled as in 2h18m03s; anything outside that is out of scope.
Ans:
8h22m05s
